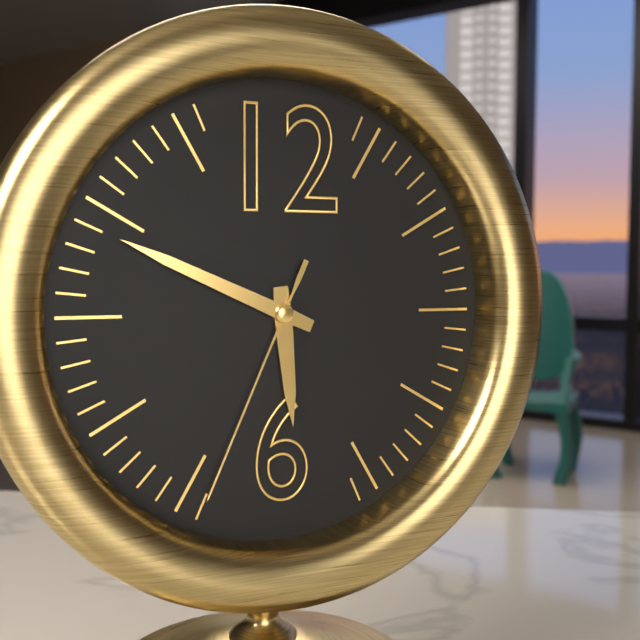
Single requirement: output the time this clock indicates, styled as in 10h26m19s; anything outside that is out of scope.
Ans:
5h49m34s
